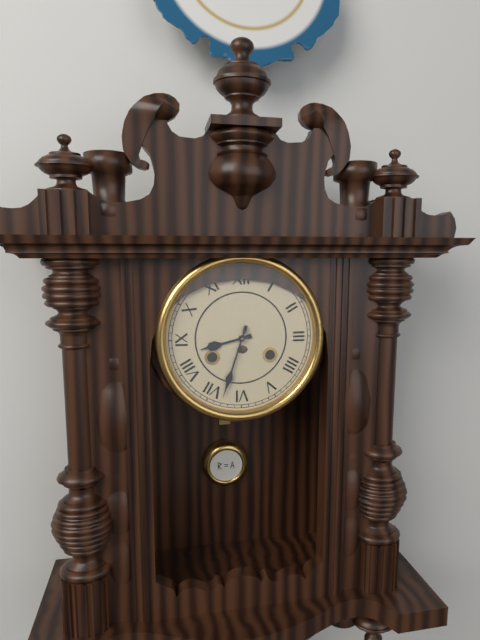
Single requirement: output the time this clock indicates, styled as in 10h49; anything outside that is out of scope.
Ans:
8h33
